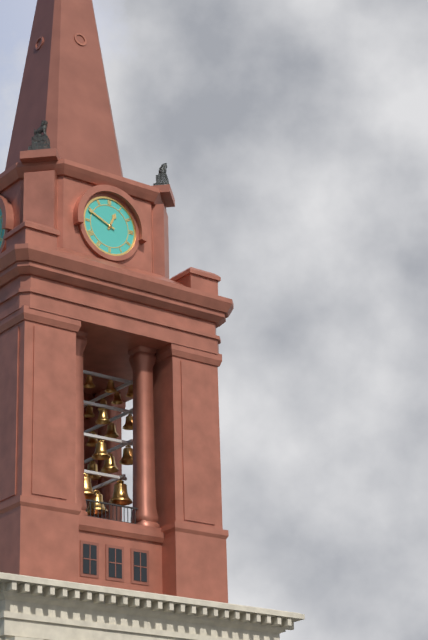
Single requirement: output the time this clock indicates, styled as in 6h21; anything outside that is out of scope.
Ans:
12h49
